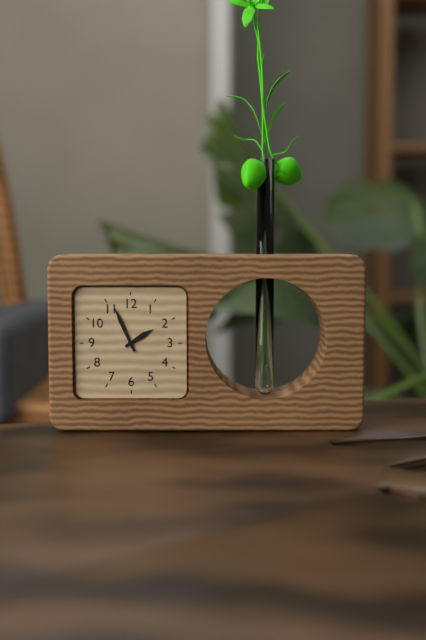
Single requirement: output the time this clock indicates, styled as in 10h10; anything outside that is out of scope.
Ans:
1h56
